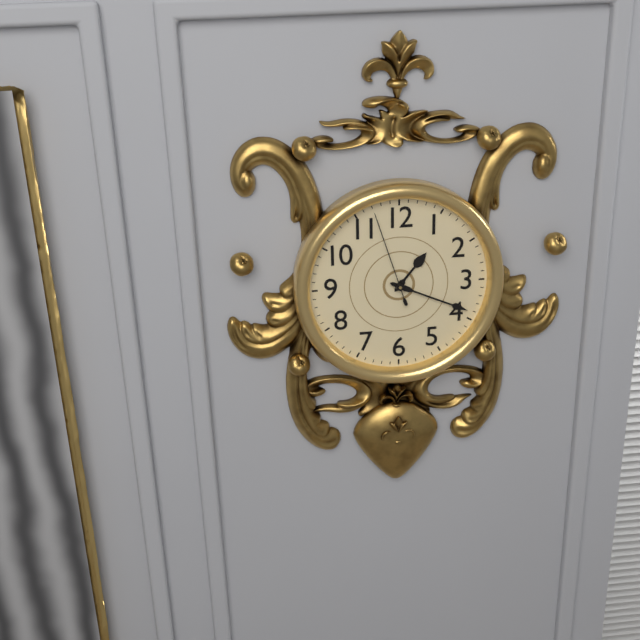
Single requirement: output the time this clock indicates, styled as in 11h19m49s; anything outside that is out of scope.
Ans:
1h19m57s
